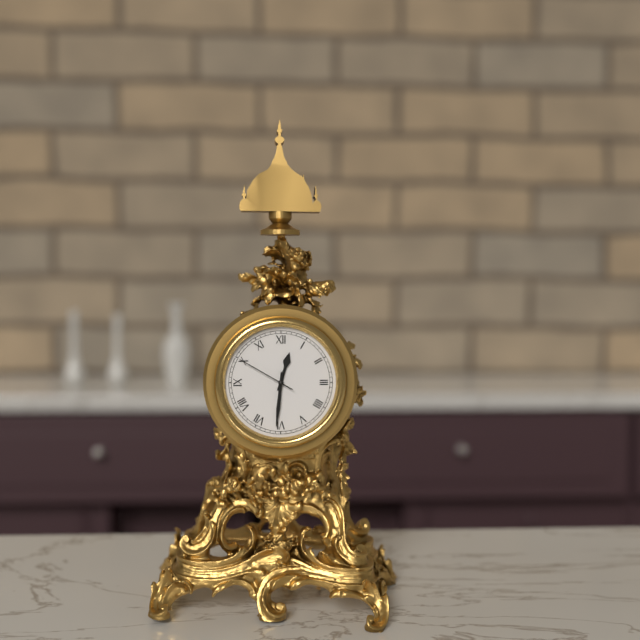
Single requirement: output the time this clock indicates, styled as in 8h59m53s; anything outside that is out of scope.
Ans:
12h31m50s
